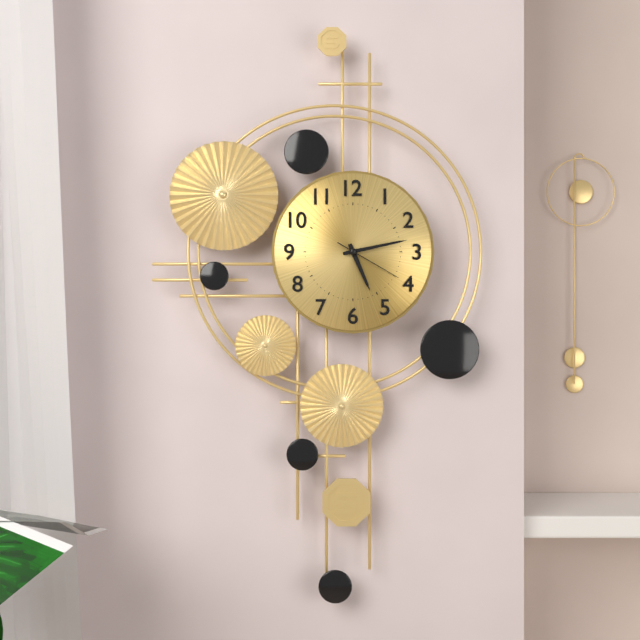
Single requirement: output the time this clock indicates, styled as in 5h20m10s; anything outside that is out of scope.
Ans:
5h13m20s
